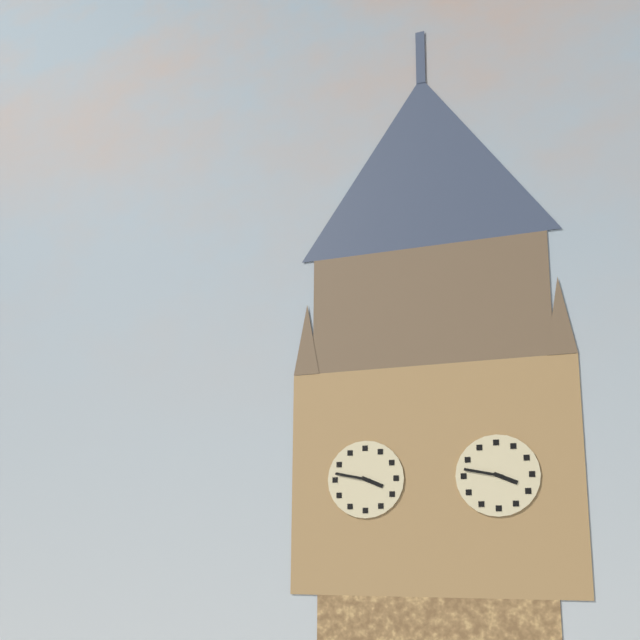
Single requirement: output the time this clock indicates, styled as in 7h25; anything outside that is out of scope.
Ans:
3h47
